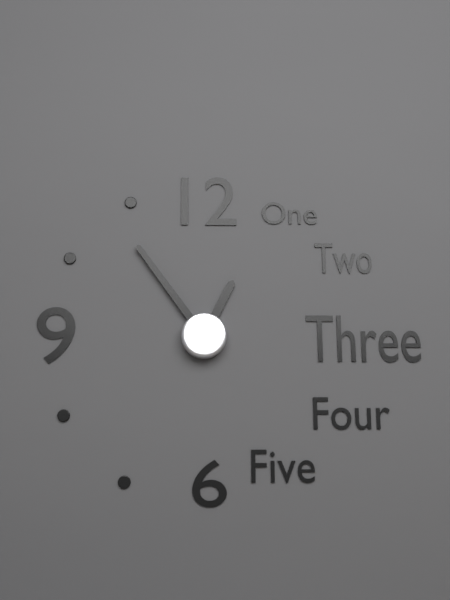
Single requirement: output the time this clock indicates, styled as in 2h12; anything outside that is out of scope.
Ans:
12h54
